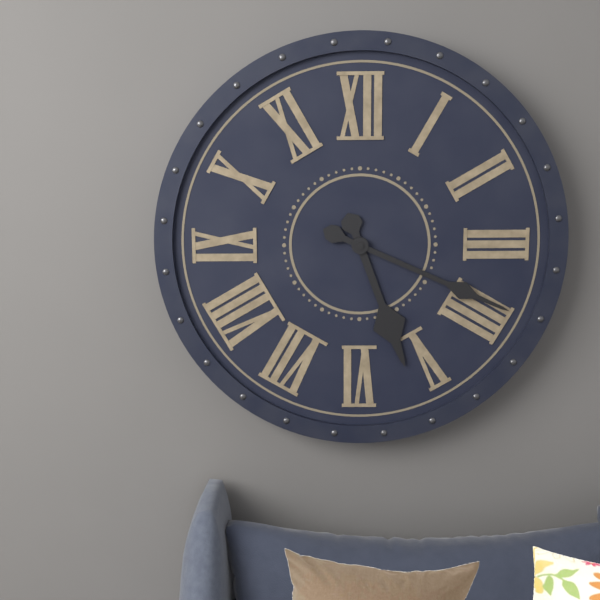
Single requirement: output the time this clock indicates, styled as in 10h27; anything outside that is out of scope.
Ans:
5h19
